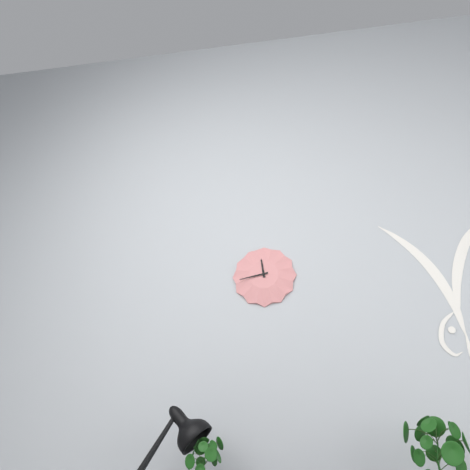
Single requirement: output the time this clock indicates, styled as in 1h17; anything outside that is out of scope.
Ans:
11h43
